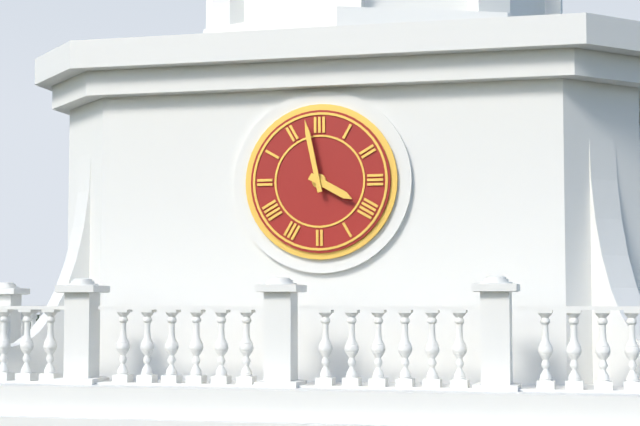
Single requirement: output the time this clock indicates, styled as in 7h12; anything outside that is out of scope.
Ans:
3h58
